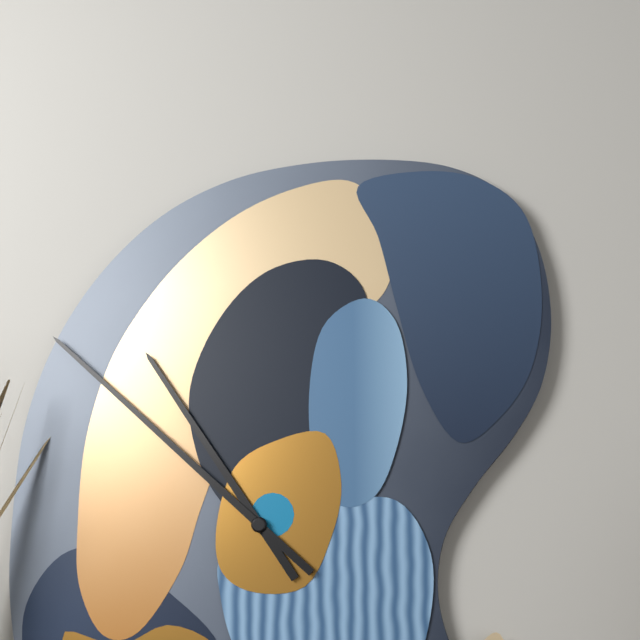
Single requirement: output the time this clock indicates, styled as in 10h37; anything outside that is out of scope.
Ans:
10h52
